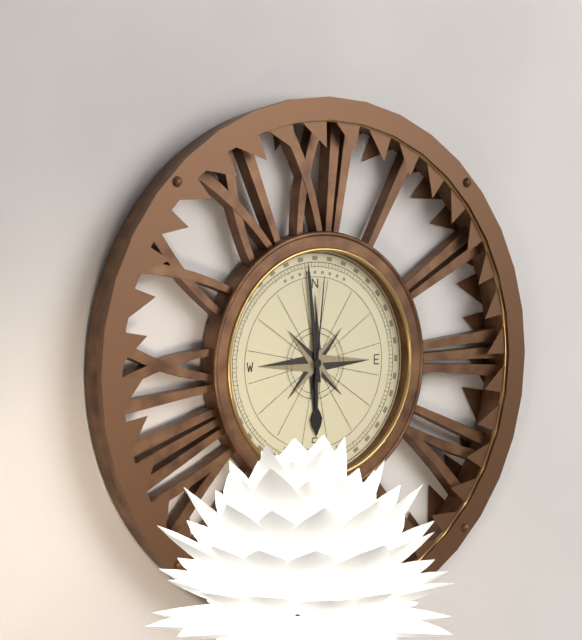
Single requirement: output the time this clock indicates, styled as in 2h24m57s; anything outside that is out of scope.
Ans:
5h59m01s
